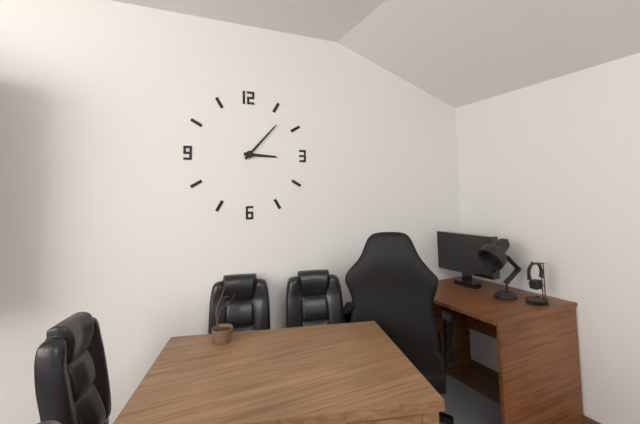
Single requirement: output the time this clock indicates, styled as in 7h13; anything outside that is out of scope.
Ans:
3h07
